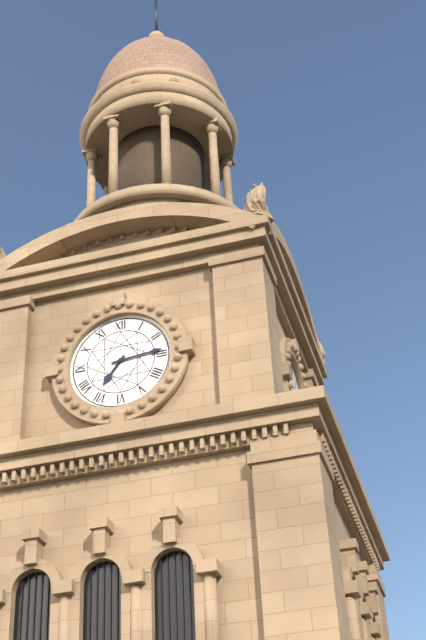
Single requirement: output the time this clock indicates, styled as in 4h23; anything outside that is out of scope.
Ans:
7h14
